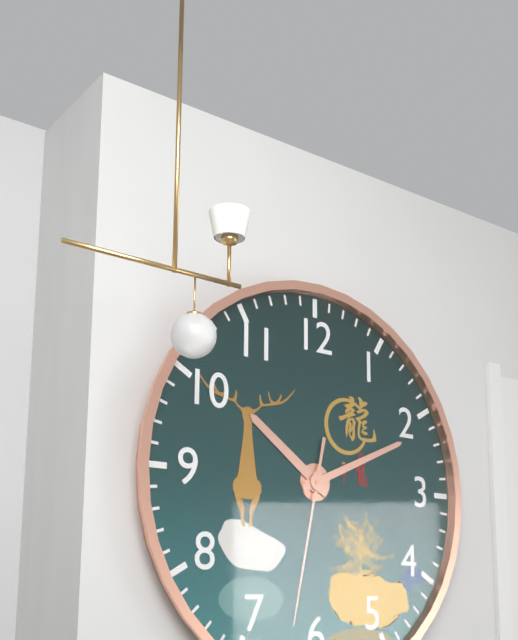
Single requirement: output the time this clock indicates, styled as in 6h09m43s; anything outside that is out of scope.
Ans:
10h11m32s
